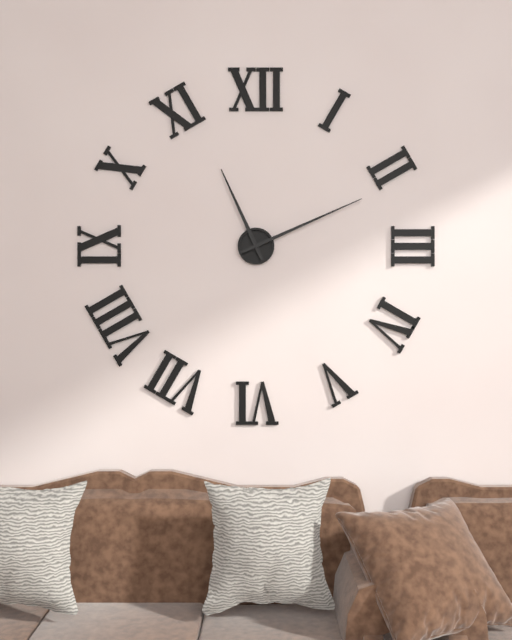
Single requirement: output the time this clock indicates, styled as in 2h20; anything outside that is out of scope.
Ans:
11h11
